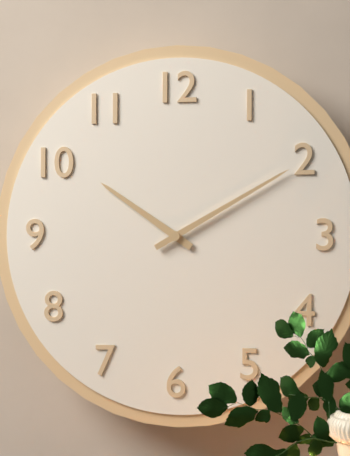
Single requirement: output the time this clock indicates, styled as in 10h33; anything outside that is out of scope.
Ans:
10h10
